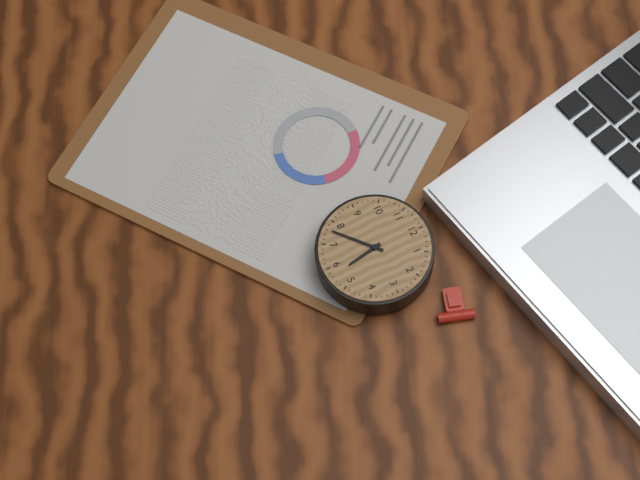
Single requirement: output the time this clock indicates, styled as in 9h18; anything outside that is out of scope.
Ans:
5h38
